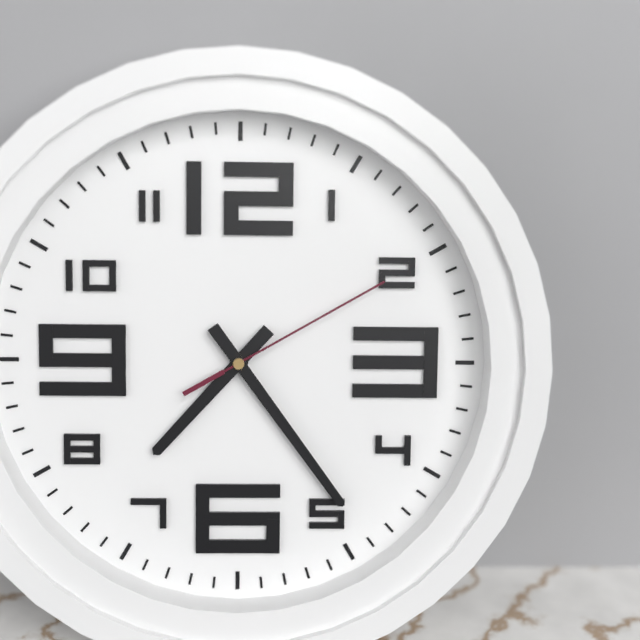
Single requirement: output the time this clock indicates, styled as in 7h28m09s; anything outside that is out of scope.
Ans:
7h24m10s
